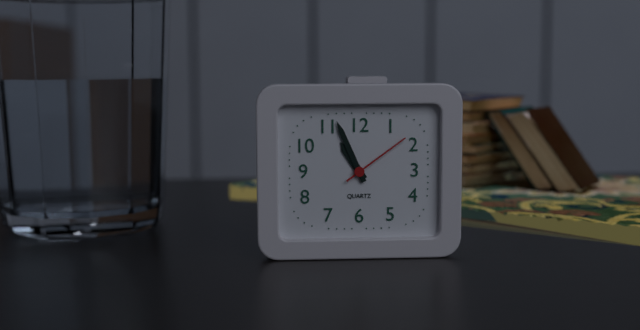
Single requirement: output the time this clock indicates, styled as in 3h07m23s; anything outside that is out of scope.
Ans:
10h56m09s
